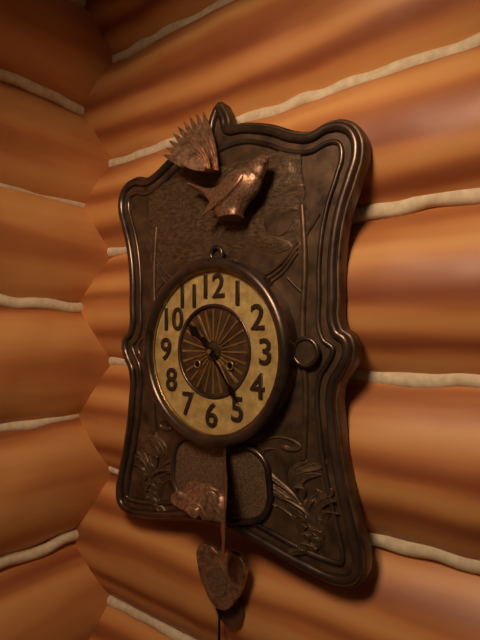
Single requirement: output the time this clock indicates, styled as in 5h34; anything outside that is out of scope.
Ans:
10h24
